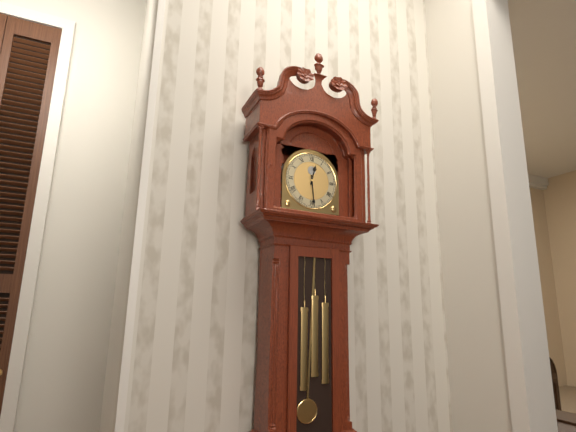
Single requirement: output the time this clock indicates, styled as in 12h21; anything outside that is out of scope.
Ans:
12h29
